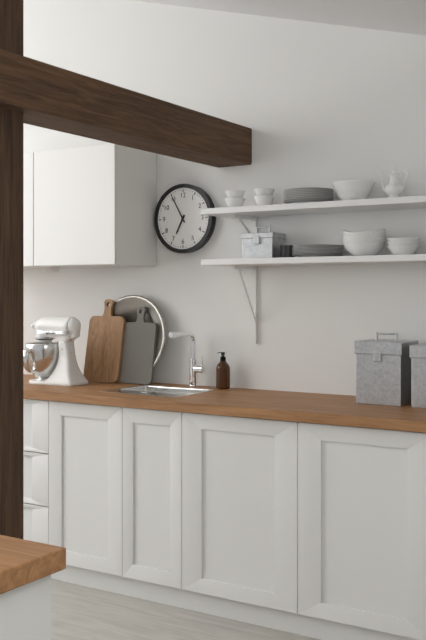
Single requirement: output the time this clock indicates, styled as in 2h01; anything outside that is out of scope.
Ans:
6h55
